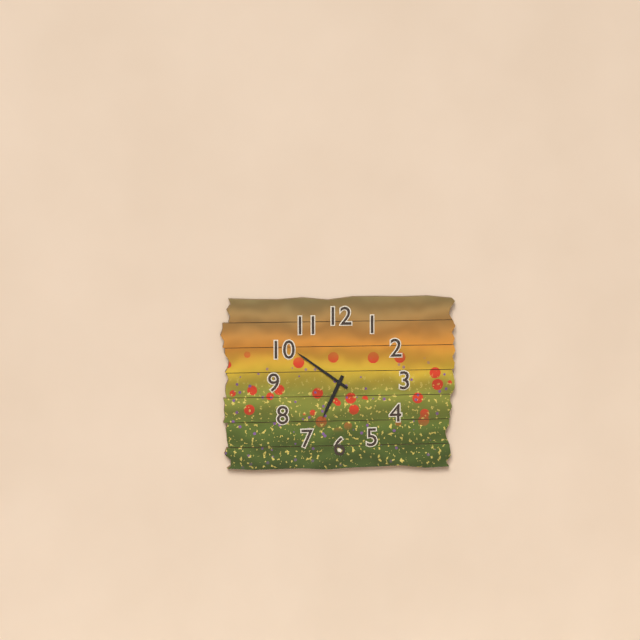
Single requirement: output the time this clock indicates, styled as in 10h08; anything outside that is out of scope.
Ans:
6h51
